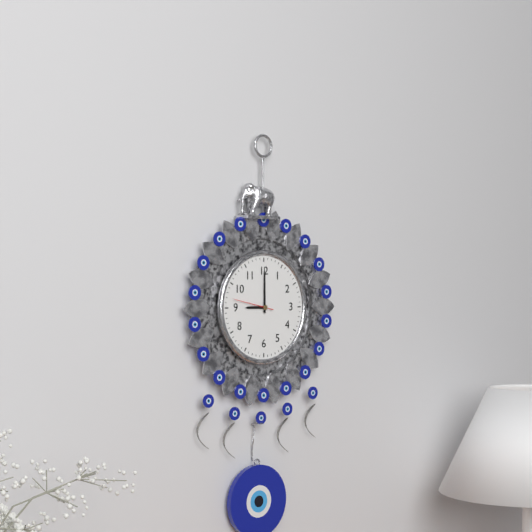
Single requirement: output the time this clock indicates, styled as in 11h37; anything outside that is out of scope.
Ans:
9h00
